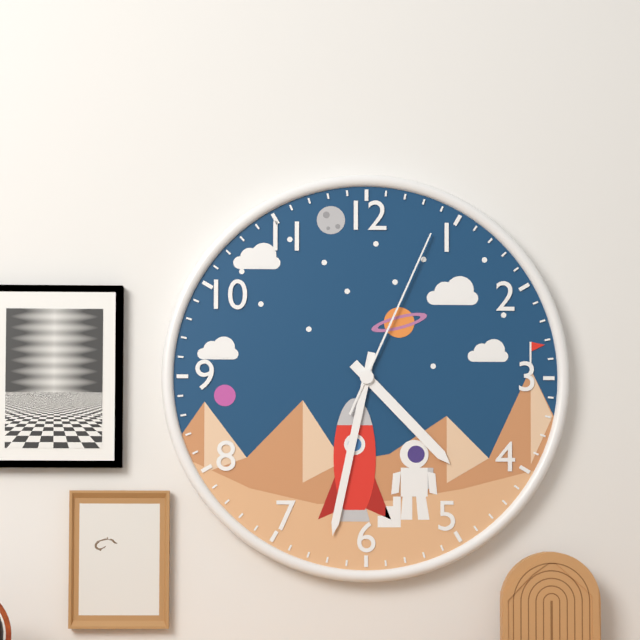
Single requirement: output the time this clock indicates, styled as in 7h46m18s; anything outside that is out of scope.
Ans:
4h32m04s
